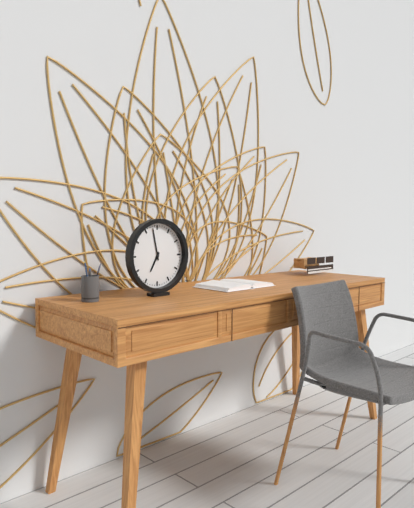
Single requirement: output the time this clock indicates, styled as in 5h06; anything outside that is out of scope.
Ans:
6h58
